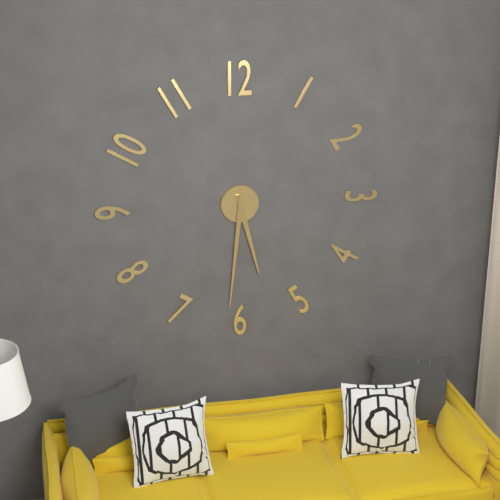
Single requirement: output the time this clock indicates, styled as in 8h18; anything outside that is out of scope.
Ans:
5h31
